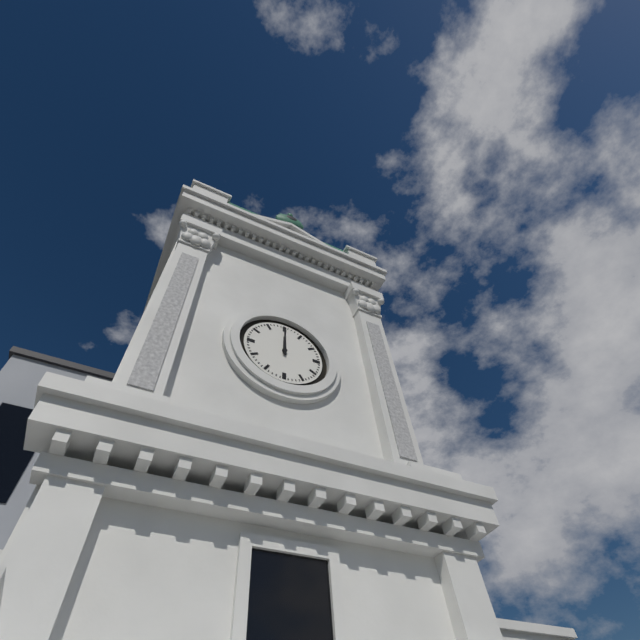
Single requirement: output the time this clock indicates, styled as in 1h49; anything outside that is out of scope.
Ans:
12h00
